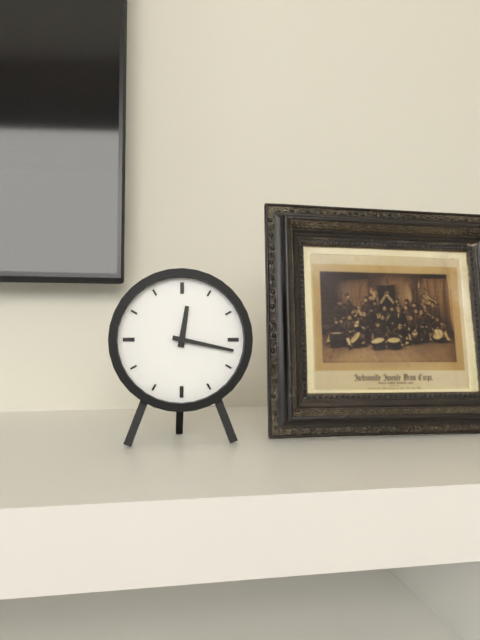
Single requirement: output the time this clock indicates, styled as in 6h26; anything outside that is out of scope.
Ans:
12h17
